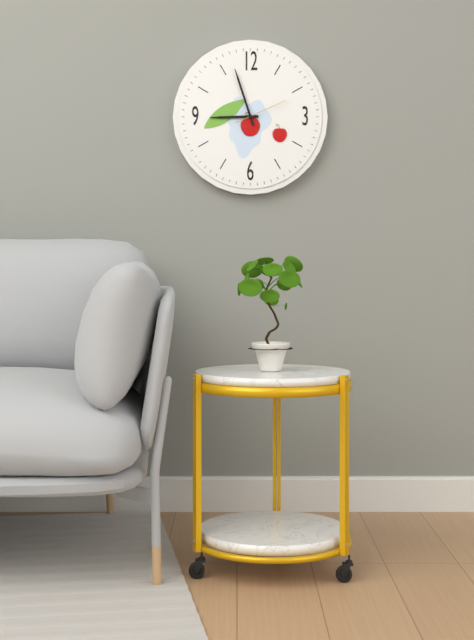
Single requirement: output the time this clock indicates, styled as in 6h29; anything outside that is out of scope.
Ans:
8h57
